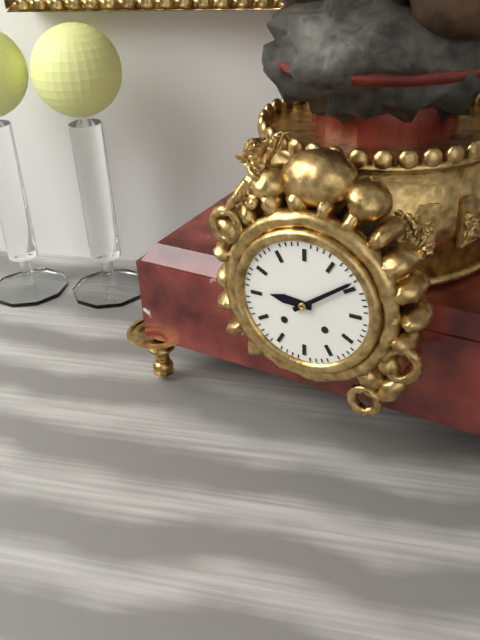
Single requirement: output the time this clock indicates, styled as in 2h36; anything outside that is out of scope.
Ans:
9h09
